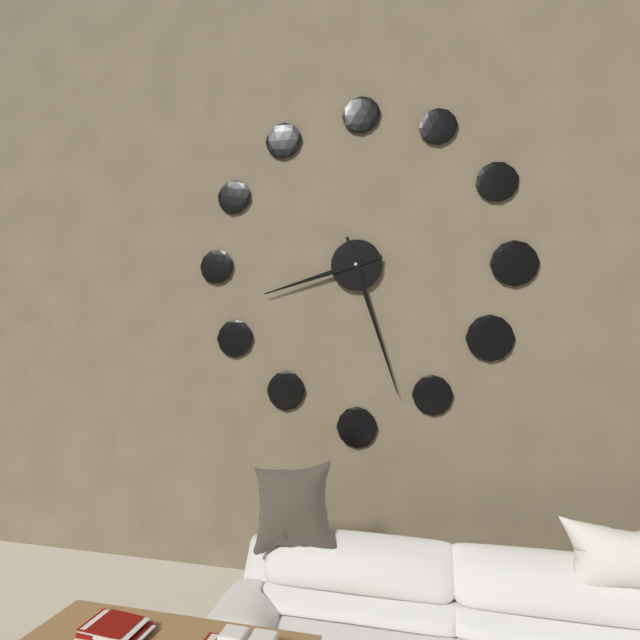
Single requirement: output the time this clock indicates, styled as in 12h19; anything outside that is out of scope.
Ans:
8h27
